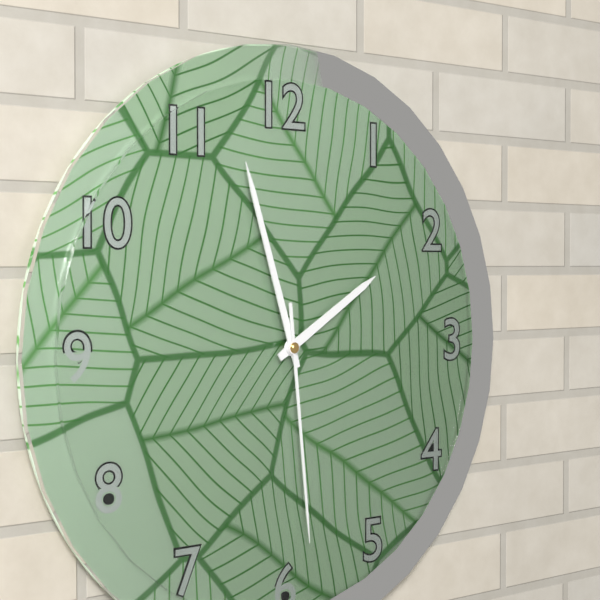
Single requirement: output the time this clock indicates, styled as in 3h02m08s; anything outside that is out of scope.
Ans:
1h57m29s
